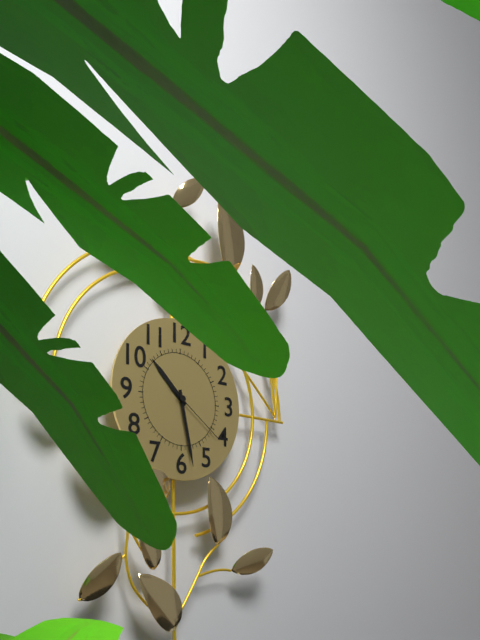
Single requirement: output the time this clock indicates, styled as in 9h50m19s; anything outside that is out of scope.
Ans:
10h28m21s
